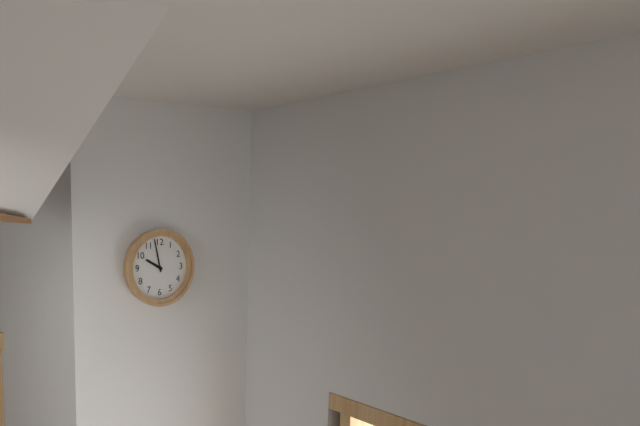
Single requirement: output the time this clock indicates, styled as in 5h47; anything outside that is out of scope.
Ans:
9h58
